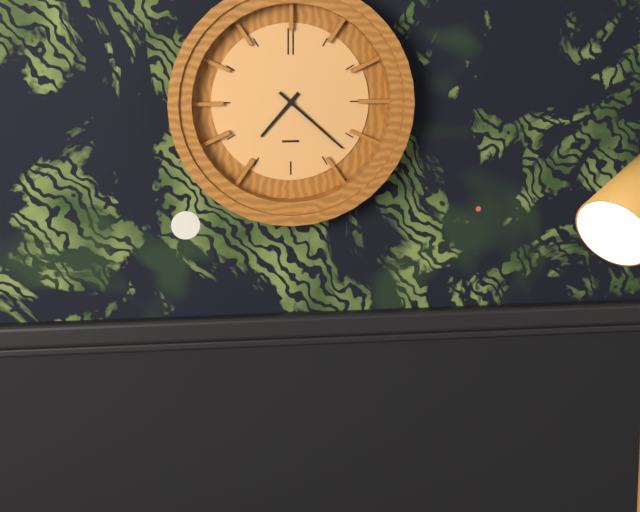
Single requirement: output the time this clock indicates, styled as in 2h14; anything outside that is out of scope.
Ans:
7h22
